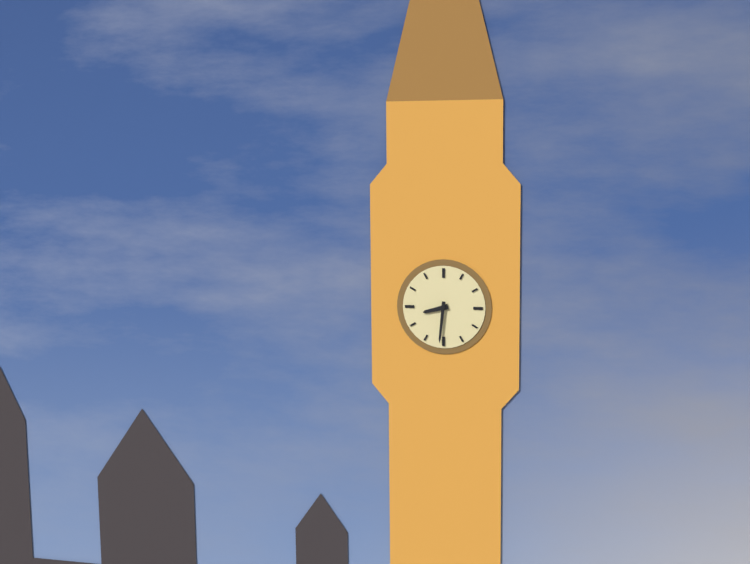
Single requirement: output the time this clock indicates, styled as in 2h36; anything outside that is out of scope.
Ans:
8h31
